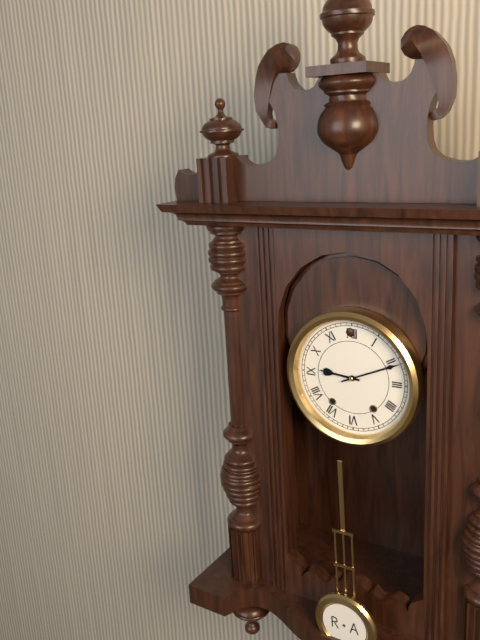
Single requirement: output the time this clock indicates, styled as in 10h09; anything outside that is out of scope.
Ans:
9h11
